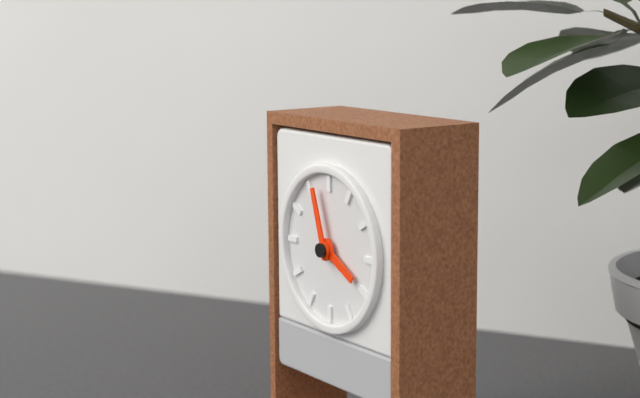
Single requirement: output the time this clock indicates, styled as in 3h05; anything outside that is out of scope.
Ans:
3h57
